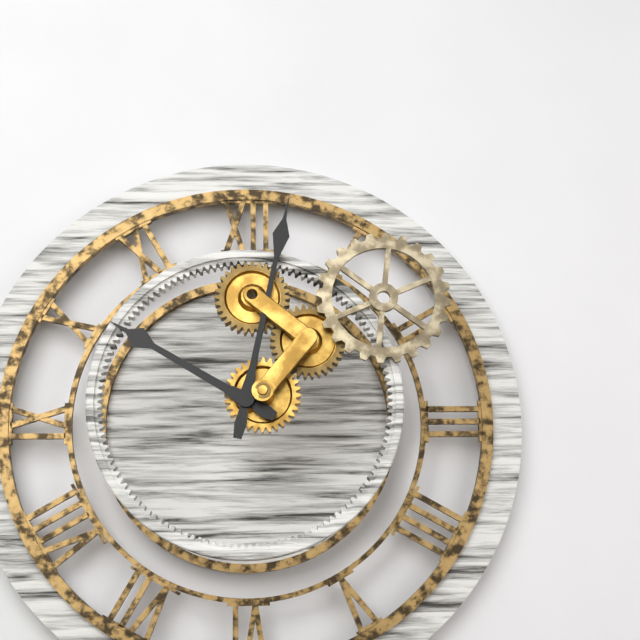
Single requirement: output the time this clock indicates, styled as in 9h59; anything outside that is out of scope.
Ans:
10h02
